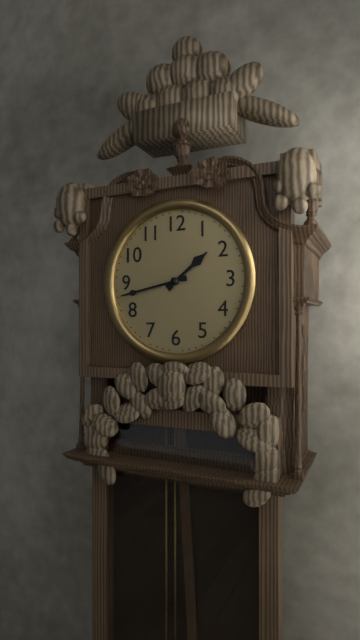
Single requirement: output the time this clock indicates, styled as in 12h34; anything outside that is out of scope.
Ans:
1h43
